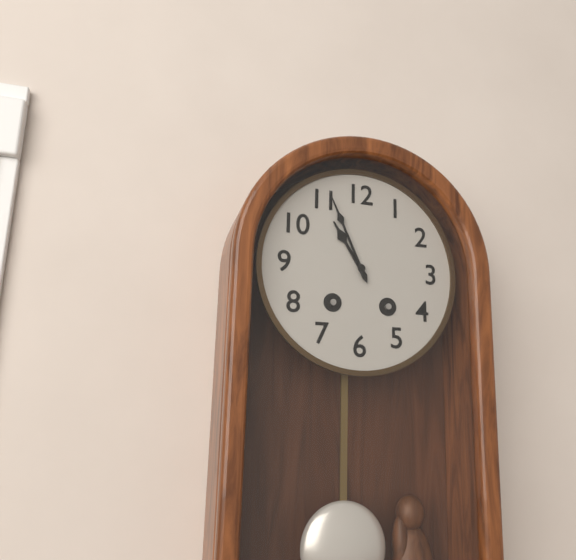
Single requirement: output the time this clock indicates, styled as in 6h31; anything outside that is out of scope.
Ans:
10h56
